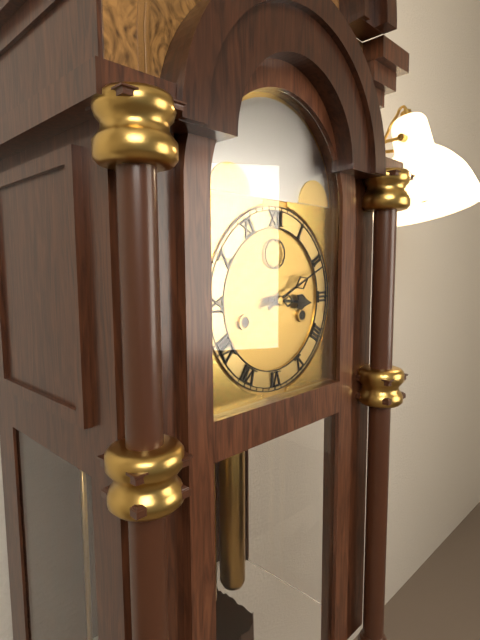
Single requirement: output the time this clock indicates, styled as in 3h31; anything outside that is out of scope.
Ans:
3h11
